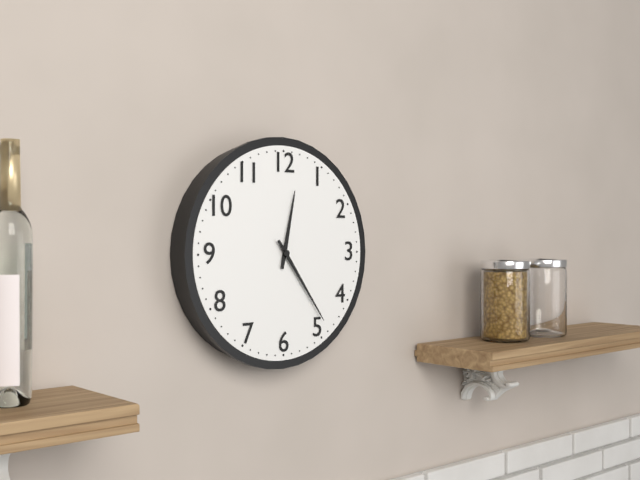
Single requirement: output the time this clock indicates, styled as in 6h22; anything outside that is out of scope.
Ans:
12h24
